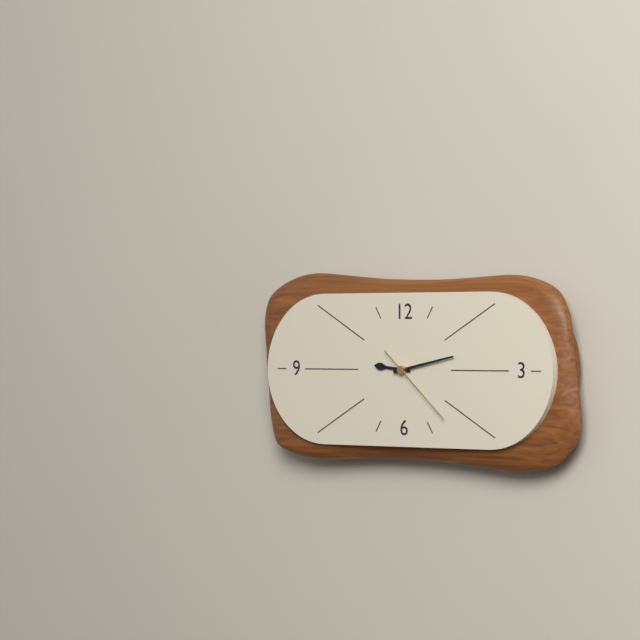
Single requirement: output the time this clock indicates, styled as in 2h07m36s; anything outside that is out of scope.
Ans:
9h13m22s
